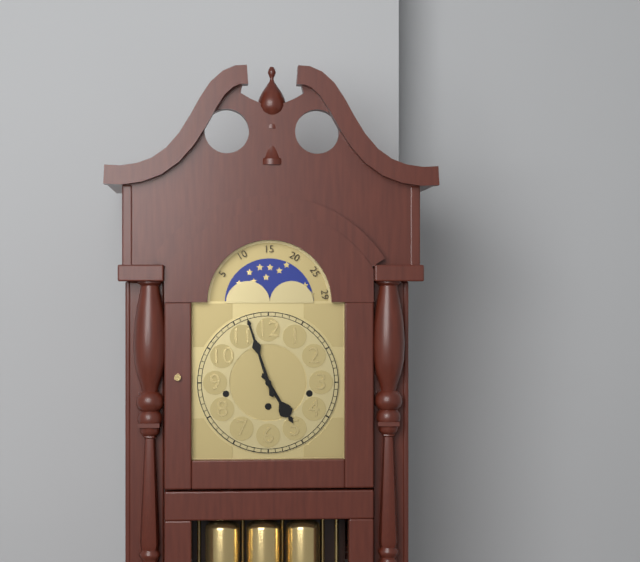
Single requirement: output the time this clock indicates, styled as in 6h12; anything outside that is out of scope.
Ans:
4h57
